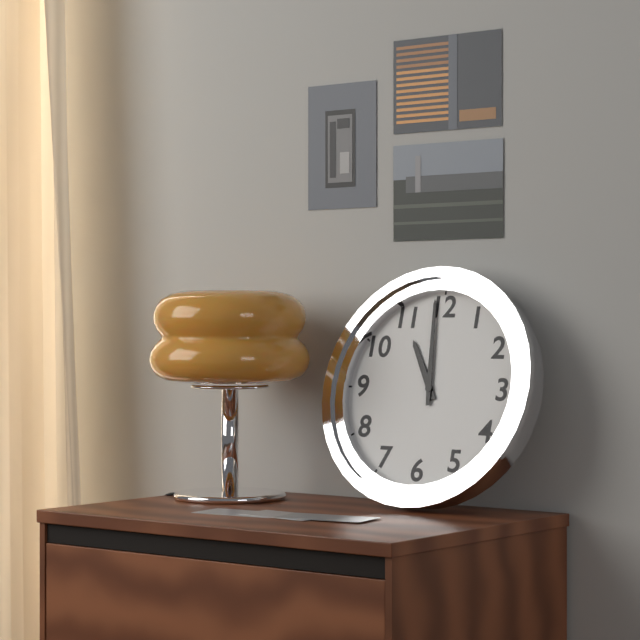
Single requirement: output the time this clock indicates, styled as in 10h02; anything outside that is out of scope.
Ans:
10h59
